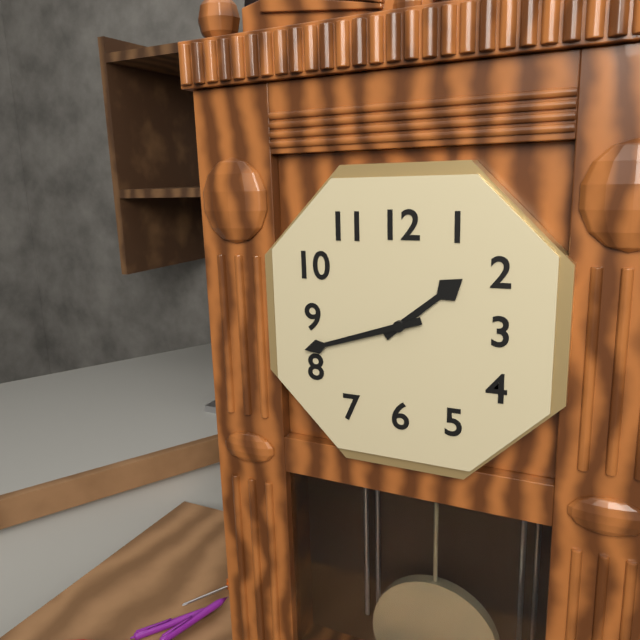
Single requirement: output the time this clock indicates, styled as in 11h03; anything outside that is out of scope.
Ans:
1h42
